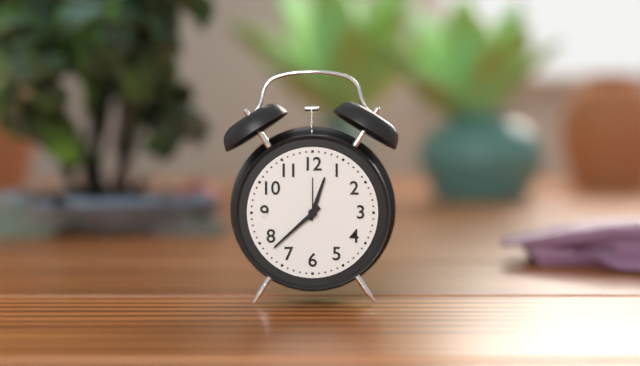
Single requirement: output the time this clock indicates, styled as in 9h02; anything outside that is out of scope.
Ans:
12h38
